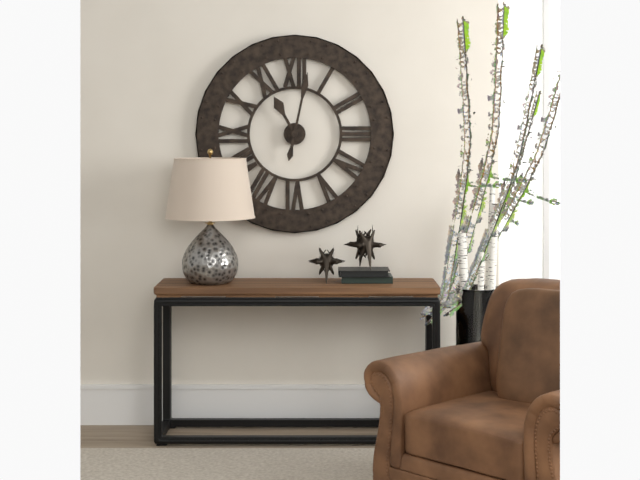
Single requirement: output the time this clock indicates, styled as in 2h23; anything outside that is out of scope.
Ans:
11h02
